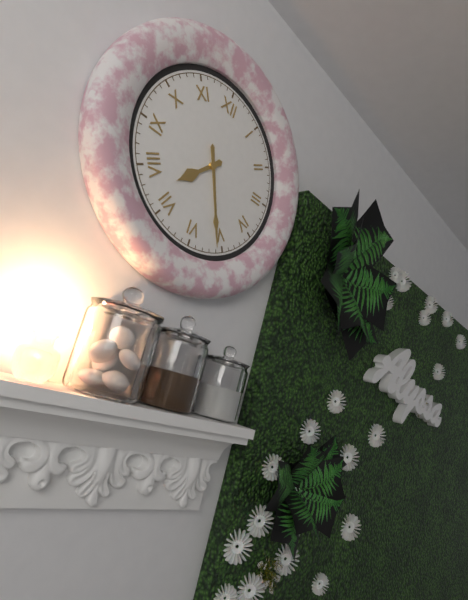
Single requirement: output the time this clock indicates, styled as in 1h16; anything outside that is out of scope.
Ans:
7h26
